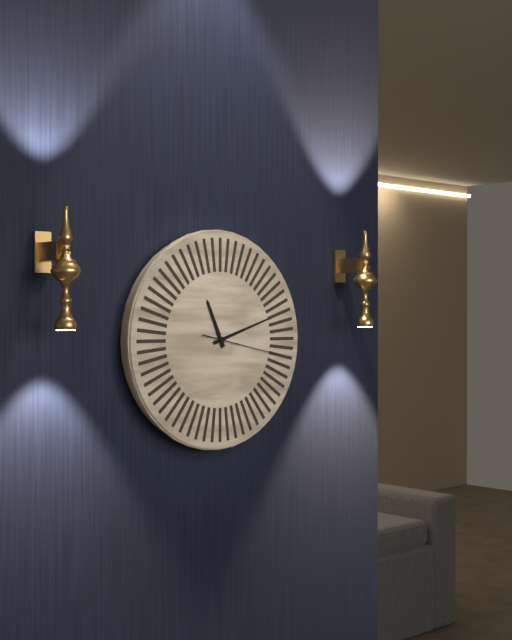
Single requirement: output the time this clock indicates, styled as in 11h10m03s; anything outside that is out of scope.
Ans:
11h12m17s
